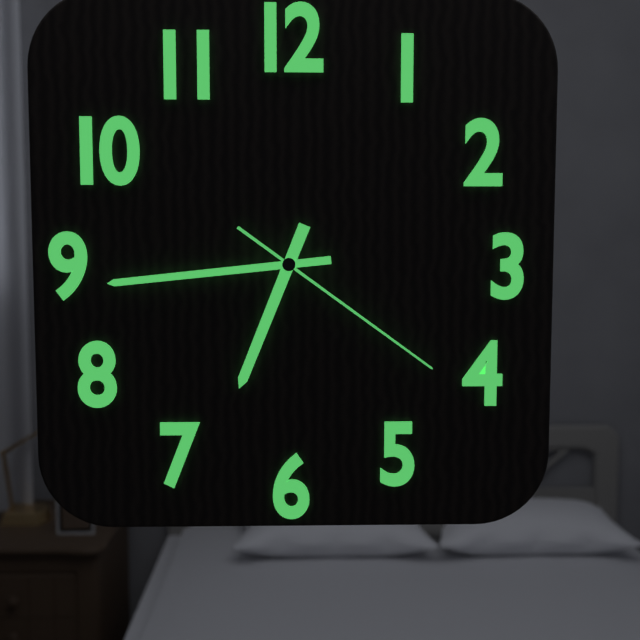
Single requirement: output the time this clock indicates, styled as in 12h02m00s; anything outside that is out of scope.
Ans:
6h44m21s
